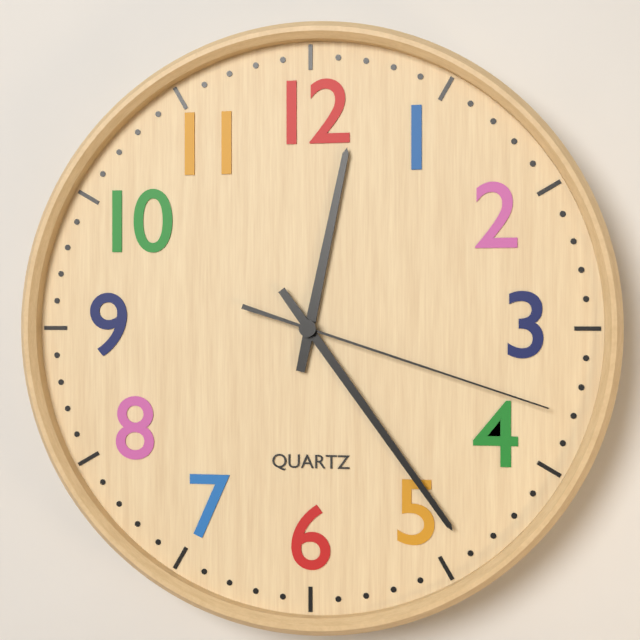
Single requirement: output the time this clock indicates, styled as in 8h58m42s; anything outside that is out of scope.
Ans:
12h24m18s
